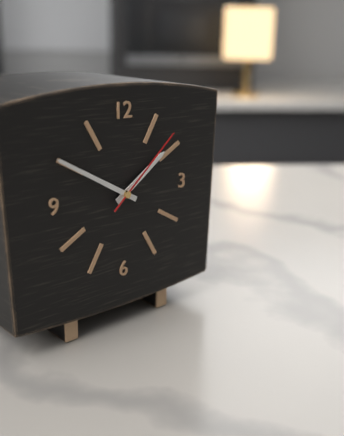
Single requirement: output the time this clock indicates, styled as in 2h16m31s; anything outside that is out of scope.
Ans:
1h50m08s
